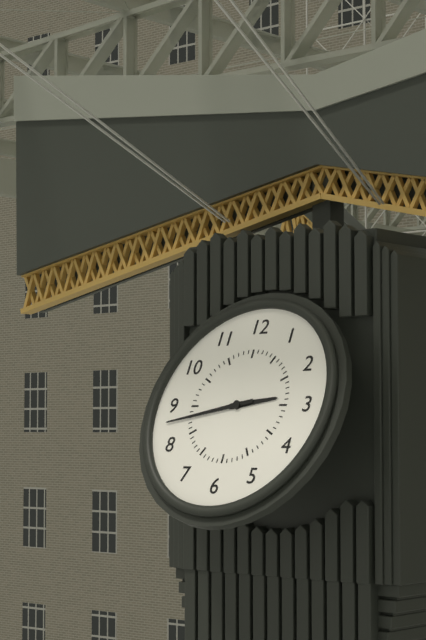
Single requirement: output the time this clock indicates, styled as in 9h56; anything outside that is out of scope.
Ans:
2h43
